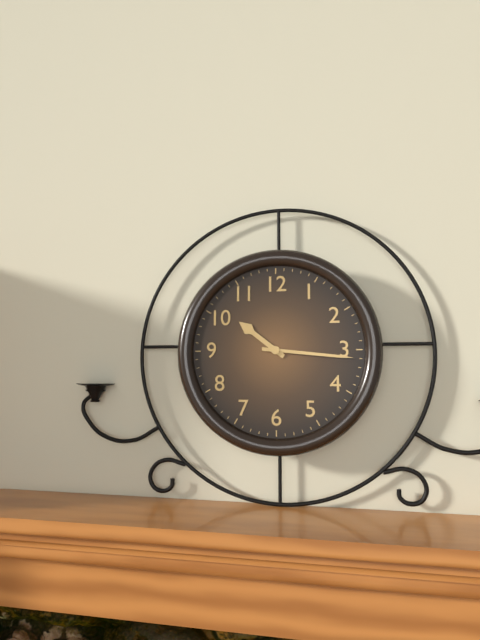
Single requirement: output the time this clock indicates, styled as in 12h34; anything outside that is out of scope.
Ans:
10h16
